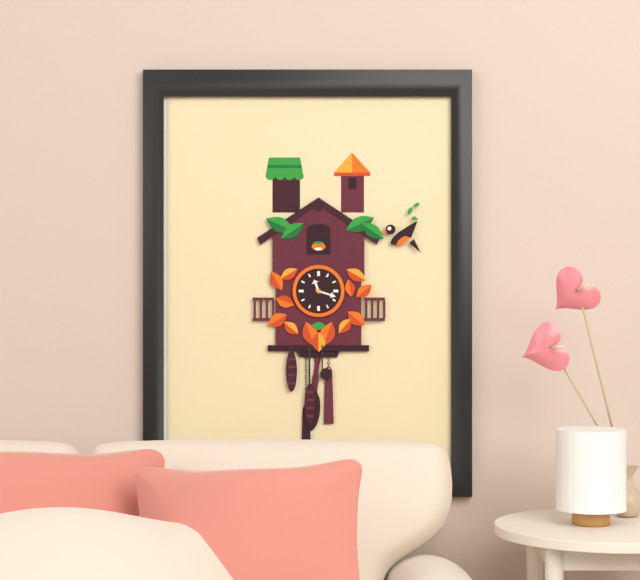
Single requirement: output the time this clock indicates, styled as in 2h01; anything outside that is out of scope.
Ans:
11h18
